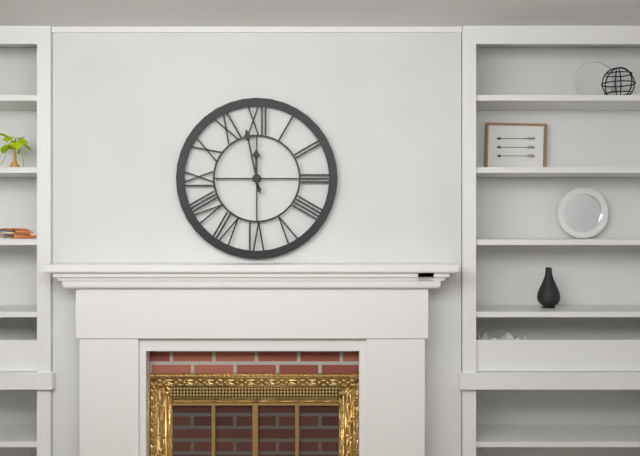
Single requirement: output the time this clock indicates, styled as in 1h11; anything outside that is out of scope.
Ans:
11h58
